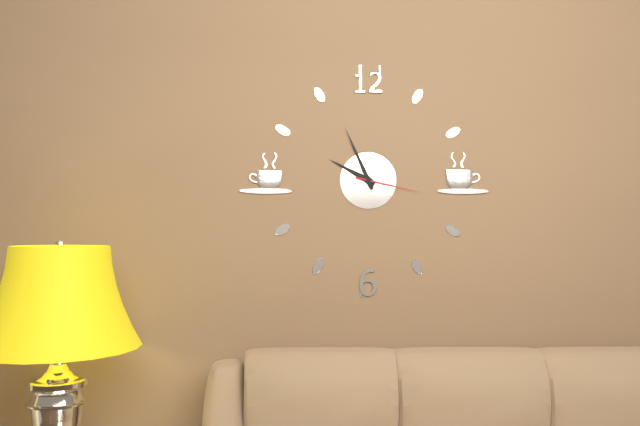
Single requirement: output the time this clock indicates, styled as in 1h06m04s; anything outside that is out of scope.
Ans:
9h56m17s
